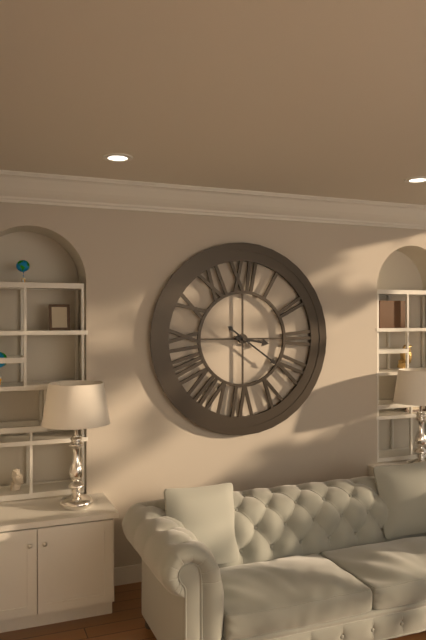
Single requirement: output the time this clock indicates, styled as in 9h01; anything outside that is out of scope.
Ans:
3h21
